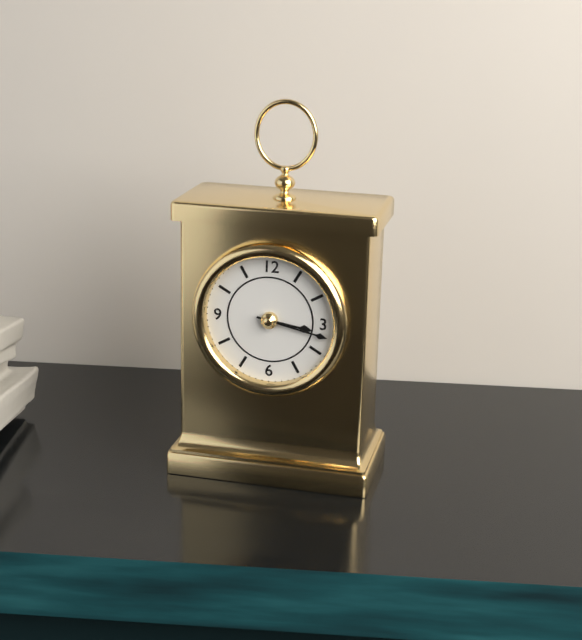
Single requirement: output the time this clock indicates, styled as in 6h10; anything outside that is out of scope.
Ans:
3h17
